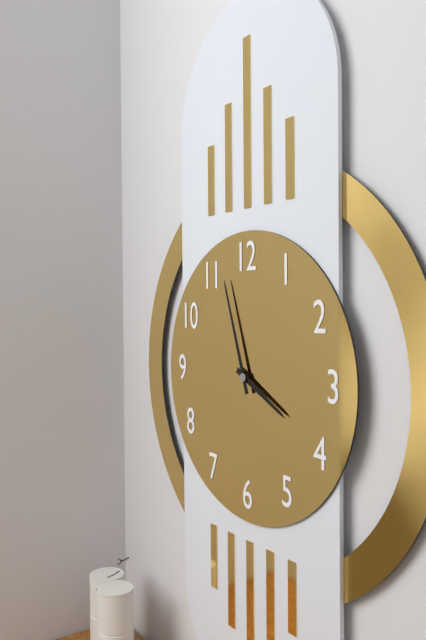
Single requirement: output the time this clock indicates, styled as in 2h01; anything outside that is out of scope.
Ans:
3h57
